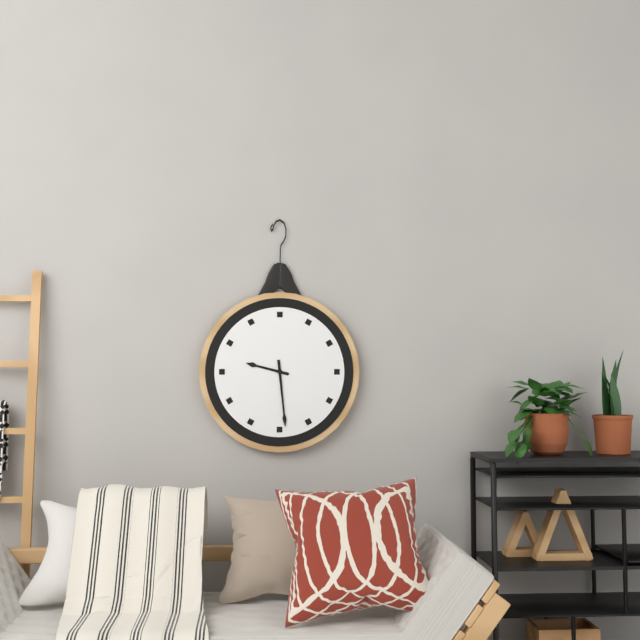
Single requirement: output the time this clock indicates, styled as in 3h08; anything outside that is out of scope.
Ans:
9h29
